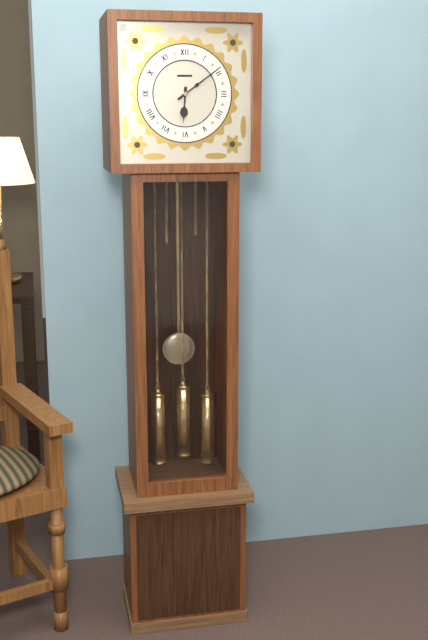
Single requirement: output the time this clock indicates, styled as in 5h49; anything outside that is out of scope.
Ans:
6h09
